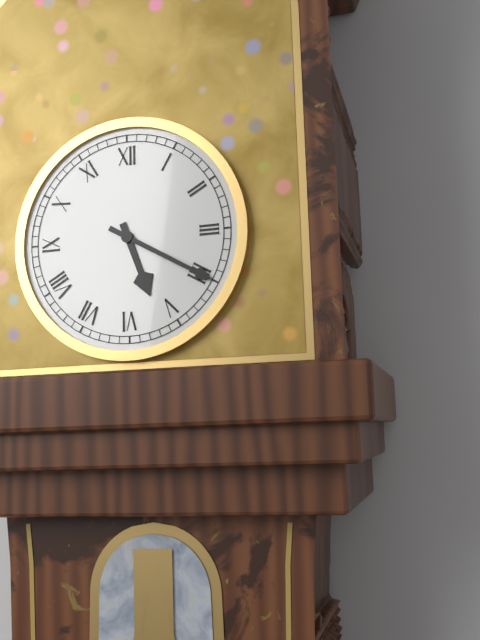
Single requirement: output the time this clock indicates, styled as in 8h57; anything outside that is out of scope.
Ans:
5h20
